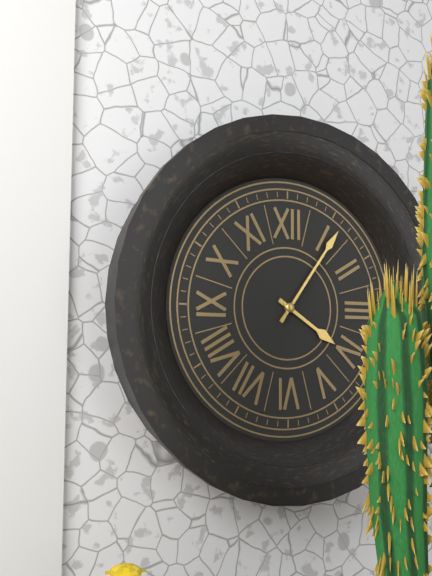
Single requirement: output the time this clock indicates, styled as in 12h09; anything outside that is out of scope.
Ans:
4h06
